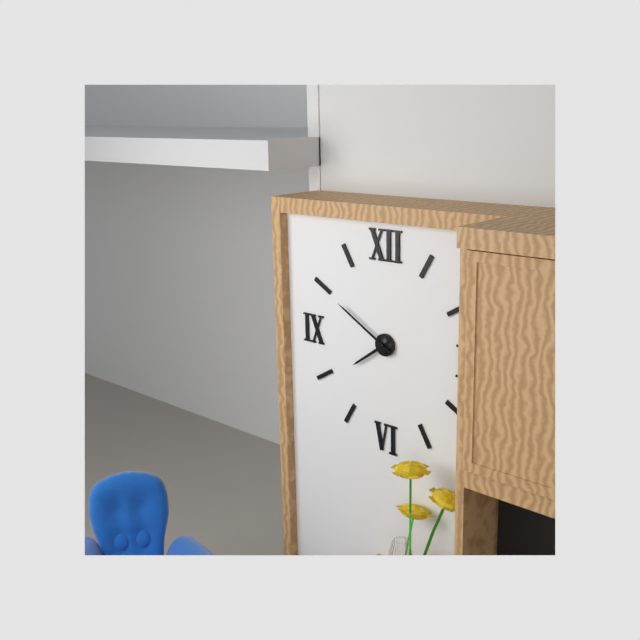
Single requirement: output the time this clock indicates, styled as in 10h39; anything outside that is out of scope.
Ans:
7h50
